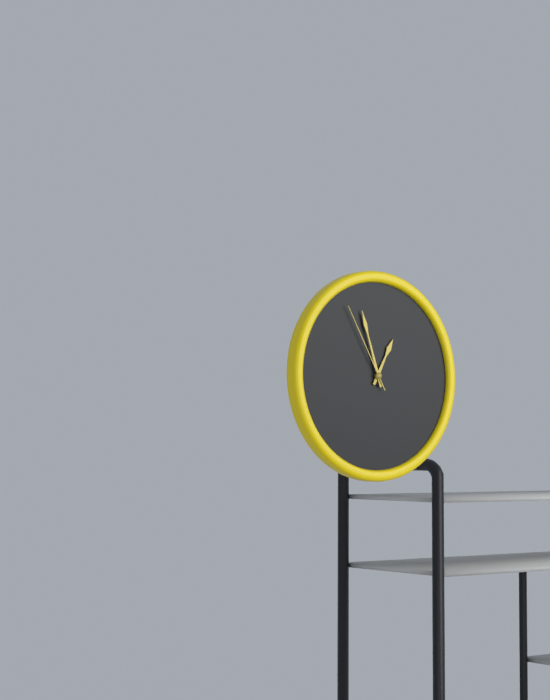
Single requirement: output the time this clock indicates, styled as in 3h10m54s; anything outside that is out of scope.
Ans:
12h57m55s
